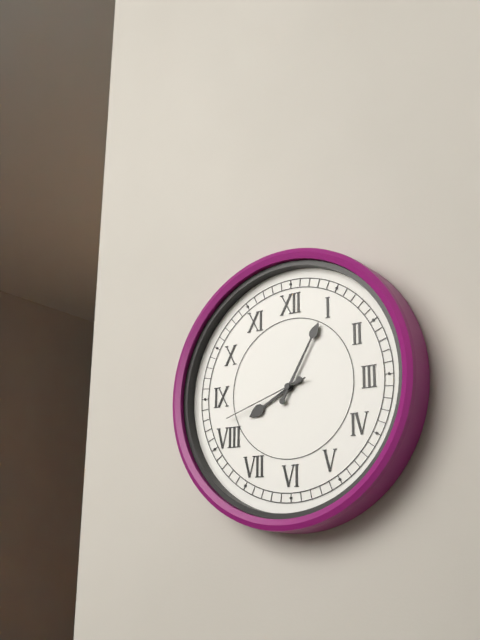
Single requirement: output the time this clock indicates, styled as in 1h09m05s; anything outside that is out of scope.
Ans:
8h05m42s
